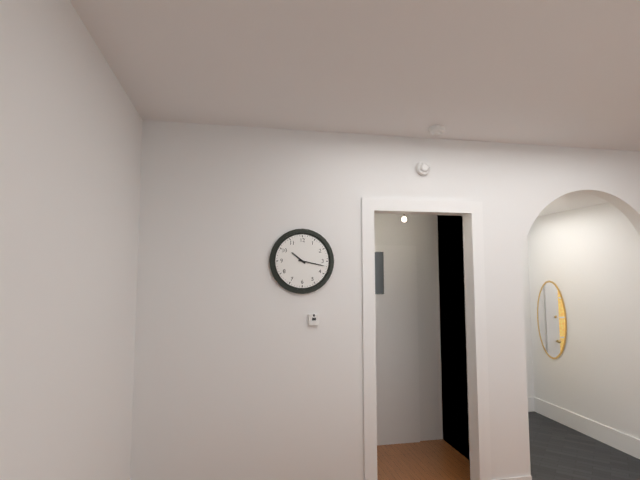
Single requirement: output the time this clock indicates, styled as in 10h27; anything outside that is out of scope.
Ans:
10h17
